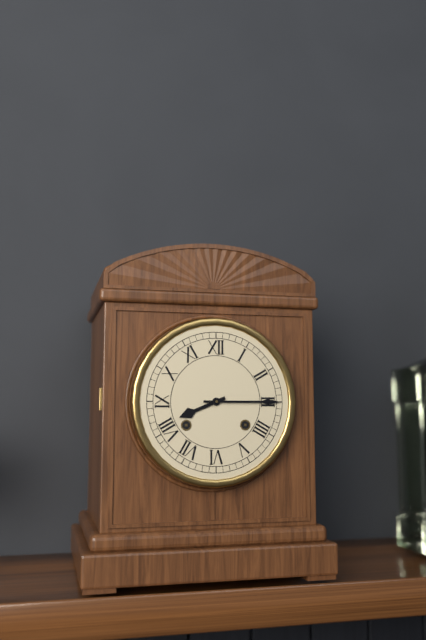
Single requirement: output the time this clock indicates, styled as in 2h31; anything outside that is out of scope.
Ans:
8h15
